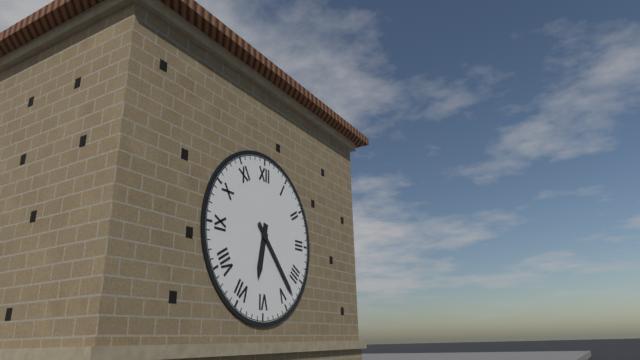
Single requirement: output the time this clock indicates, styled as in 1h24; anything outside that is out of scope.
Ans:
6h23
